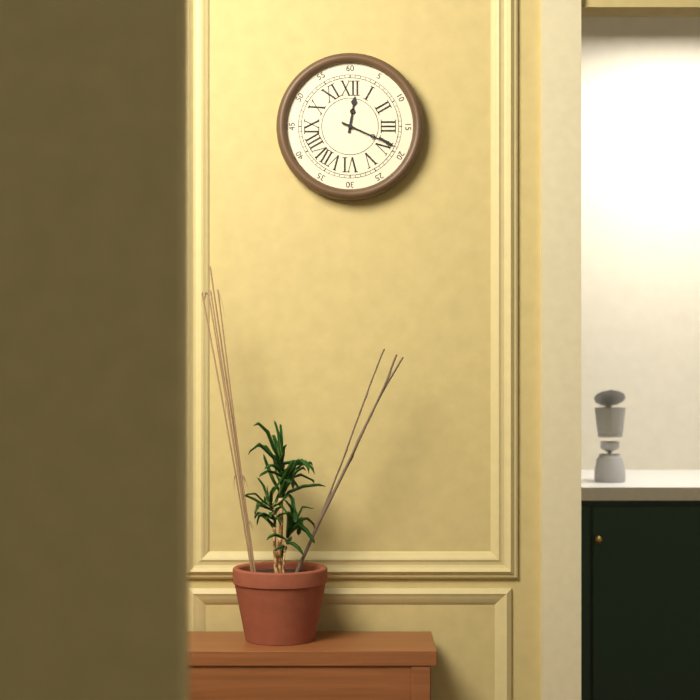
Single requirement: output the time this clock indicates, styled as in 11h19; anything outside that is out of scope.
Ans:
12h19
